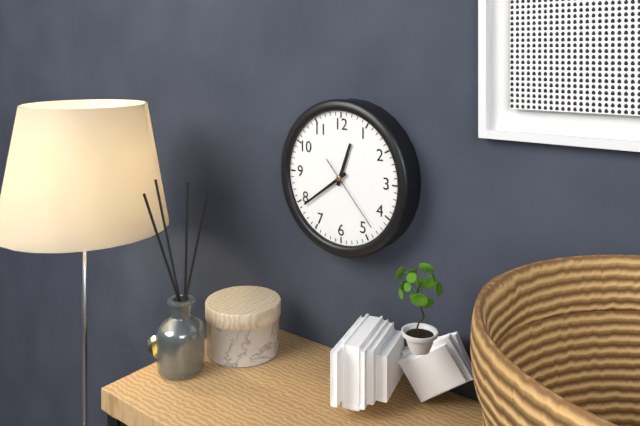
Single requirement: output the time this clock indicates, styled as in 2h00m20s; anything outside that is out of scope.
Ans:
12h39m23s
